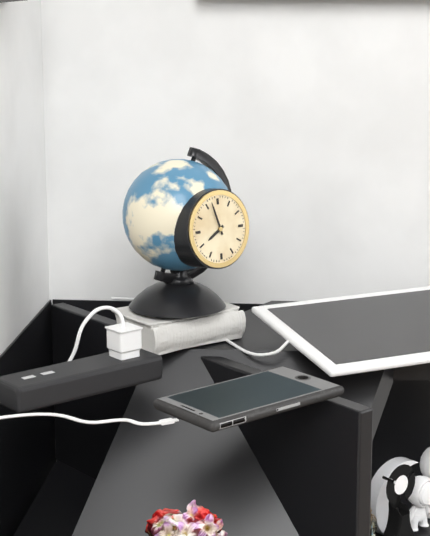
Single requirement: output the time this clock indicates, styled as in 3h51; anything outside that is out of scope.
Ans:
7h57
